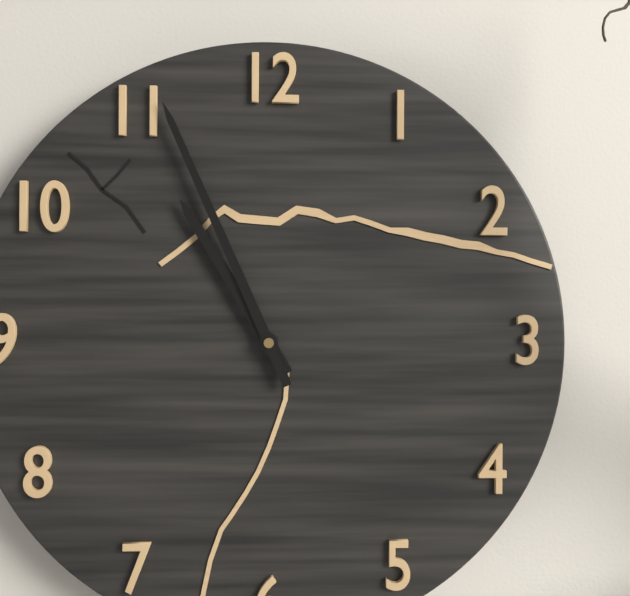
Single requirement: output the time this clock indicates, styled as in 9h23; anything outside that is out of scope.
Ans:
10h56
